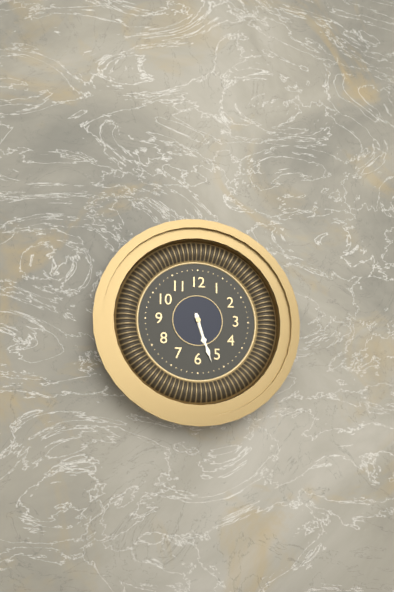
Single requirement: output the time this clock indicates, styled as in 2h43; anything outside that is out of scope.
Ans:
5h27
